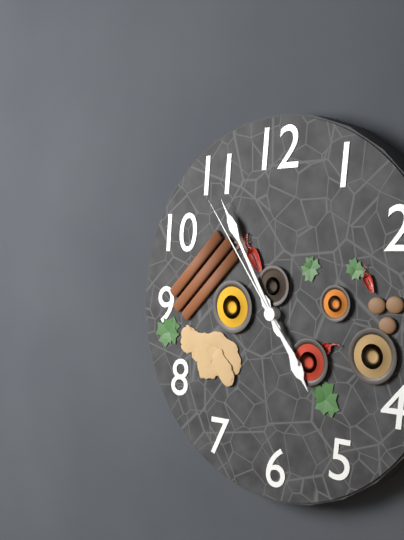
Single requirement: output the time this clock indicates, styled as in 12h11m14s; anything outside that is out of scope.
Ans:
4h55m54s
